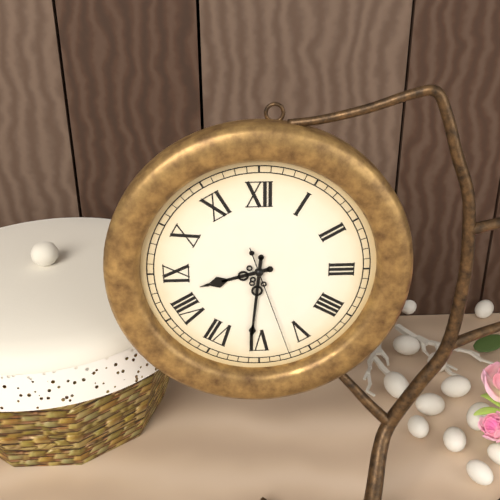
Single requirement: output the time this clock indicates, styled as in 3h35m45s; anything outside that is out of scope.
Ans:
8h31m27s
